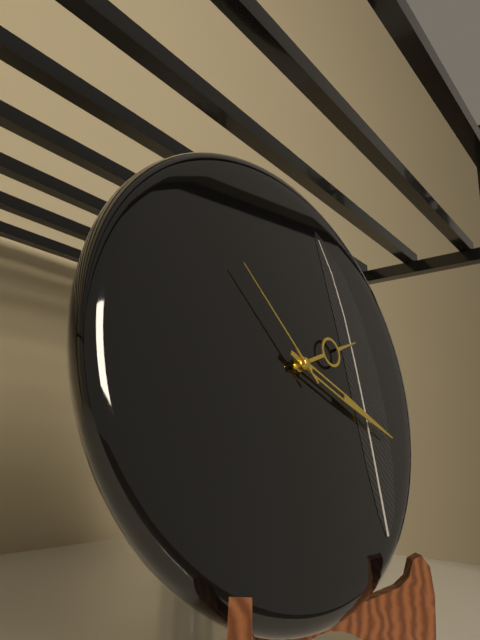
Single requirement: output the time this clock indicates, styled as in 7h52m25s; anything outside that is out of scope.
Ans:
2h19m53s
